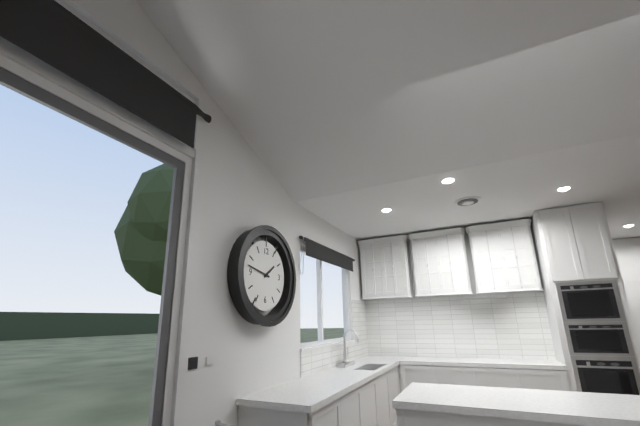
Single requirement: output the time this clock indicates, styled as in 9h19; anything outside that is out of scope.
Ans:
1h47
